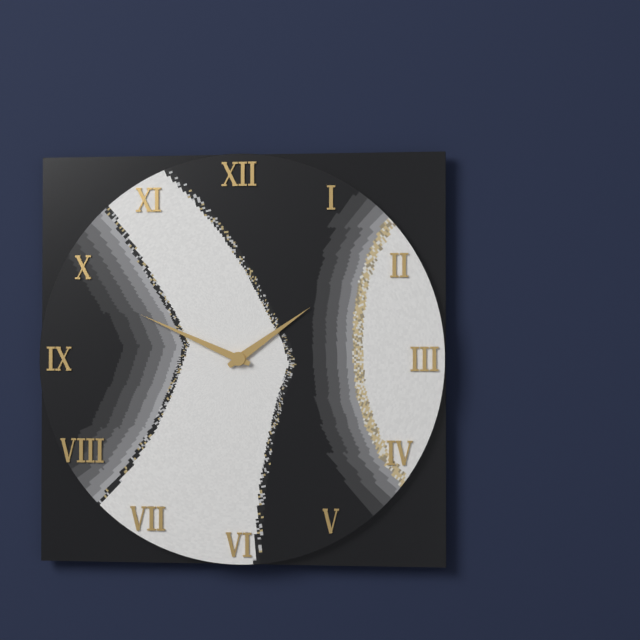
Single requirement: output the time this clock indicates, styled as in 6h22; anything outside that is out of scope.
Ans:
1h49
